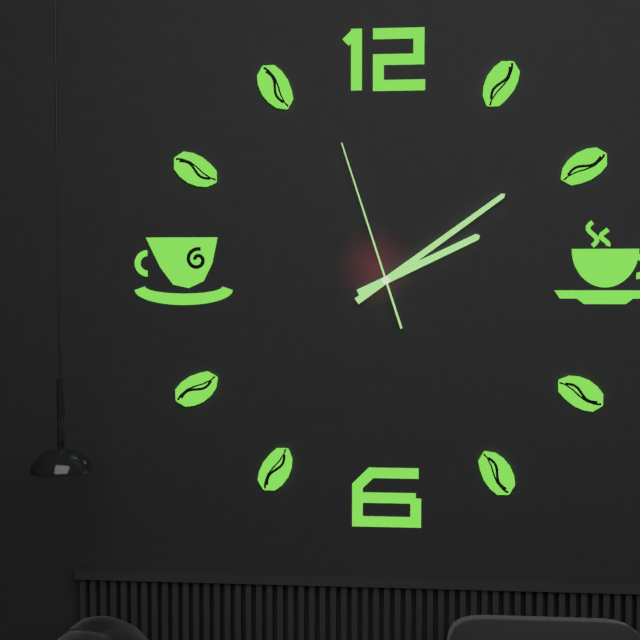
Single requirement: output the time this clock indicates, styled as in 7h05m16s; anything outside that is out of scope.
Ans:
2h09m57s
